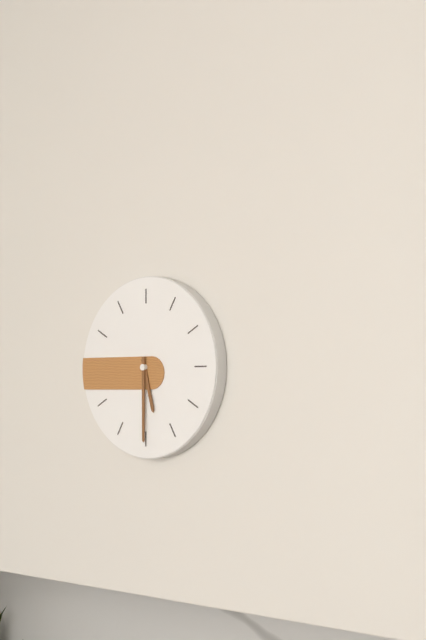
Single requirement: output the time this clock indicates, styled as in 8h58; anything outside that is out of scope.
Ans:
5h30
